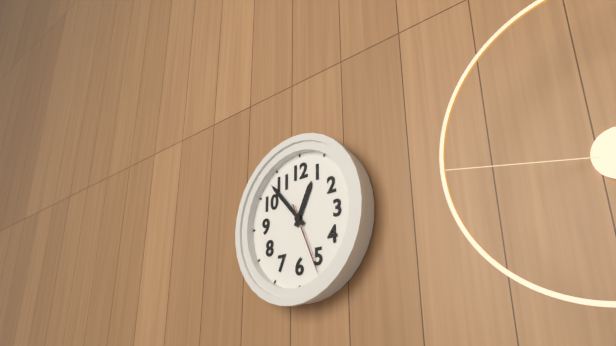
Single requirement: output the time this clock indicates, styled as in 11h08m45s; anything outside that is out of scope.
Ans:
12h53m26s
